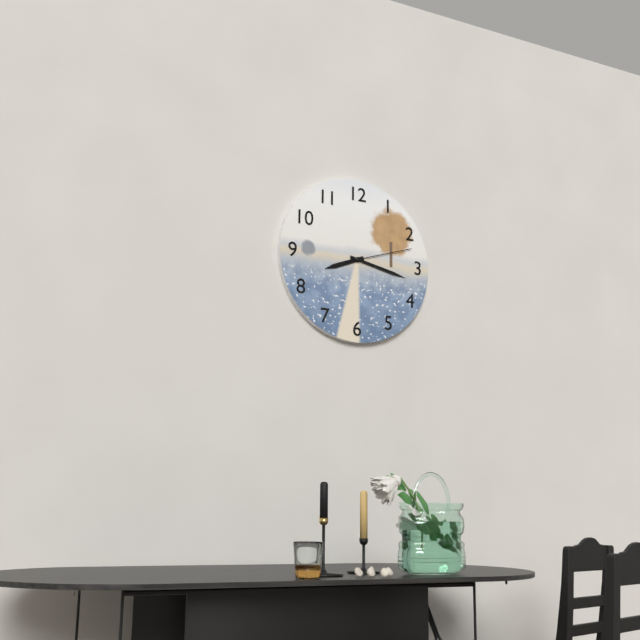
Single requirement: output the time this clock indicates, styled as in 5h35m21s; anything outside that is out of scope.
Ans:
8h17m12s
